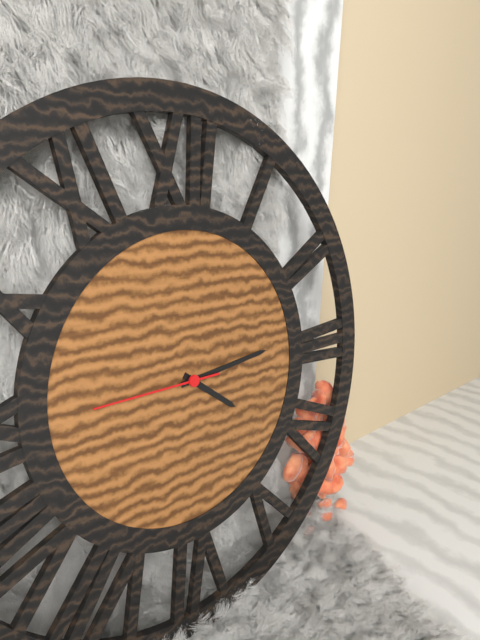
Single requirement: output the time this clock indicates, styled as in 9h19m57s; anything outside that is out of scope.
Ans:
4h14m45s
